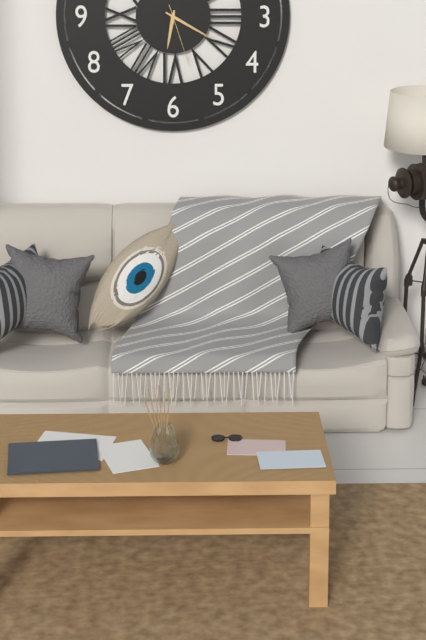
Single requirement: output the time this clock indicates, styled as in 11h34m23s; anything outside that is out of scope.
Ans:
6h20m27s
